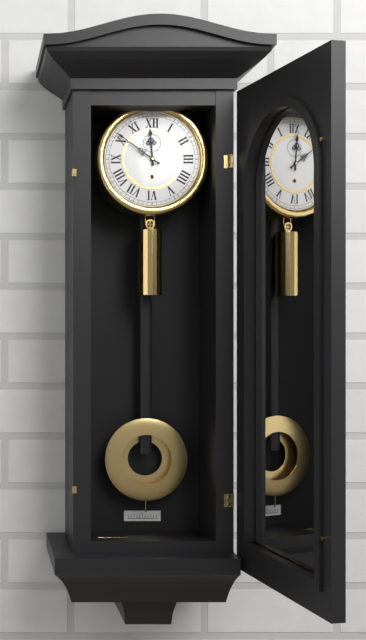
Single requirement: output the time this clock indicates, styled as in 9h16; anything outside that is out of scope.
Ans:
11h51
